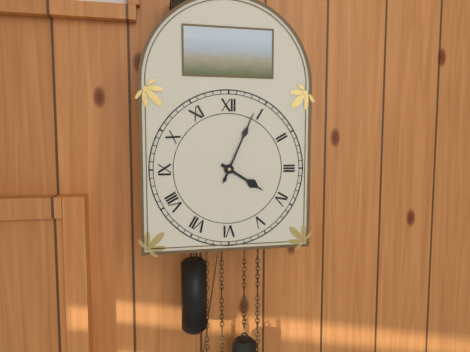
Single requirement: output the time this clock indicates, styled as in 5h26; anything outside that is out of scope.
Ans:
4h04
